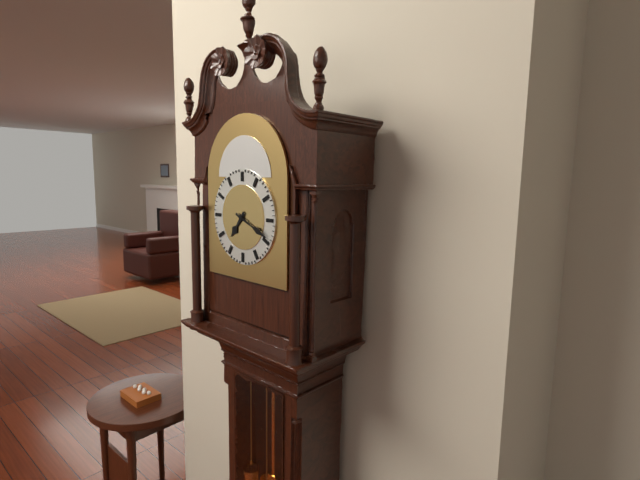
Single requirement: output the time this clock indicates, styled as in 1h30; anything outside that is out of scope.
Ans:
7h19
